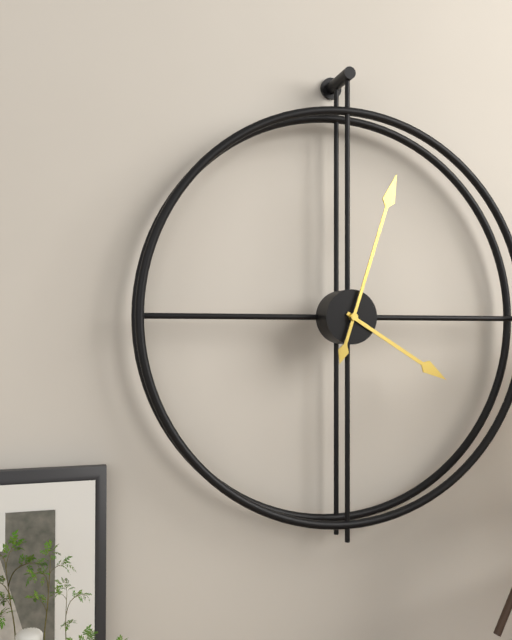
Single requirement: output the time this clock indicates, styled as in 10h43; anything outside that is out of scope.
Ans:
4h03
